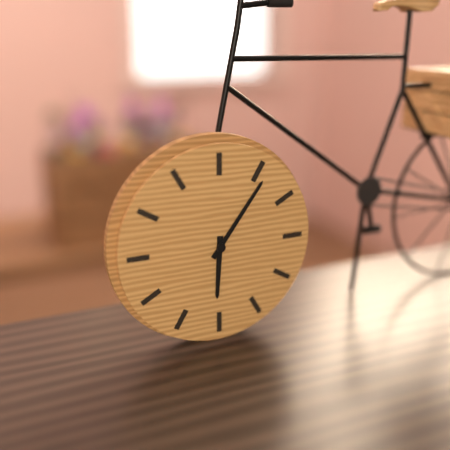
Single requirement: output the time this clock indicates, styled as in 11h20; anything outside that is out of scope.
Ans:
6h06
